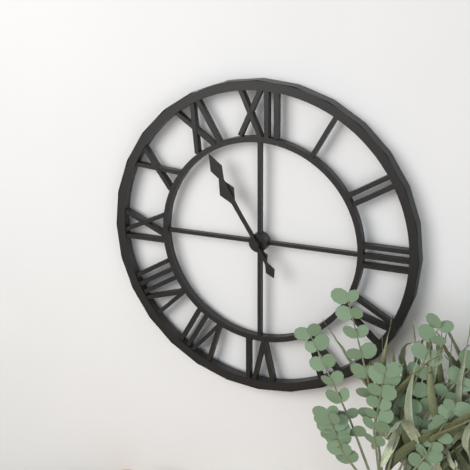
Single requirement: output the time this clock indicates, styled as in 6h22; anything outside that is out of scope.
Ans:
10h55
